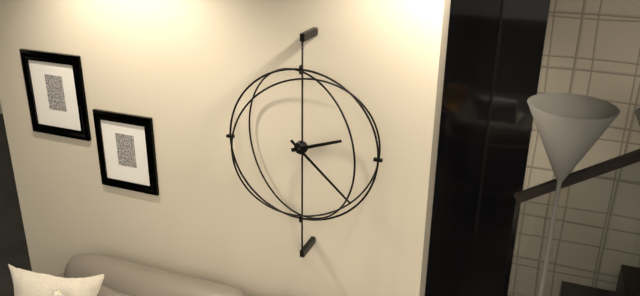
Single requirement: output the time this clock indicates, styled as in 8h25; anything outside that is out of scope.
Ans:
2h22
